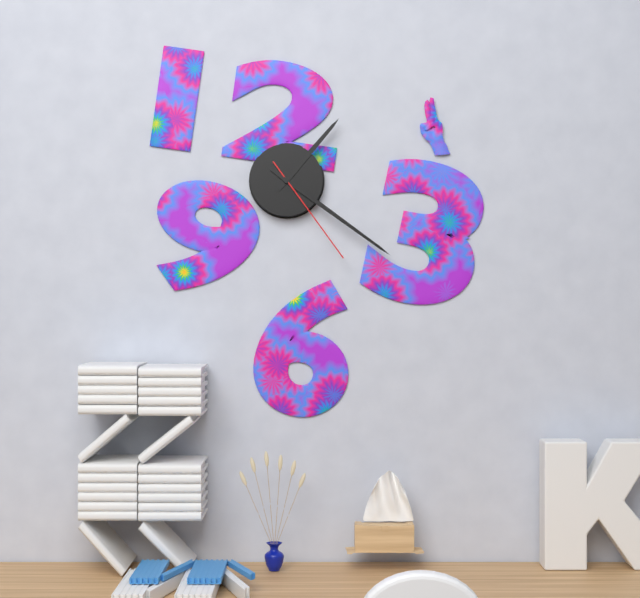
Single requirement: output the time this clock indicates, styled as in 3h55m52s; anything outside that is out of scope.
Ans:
1h21m24s
